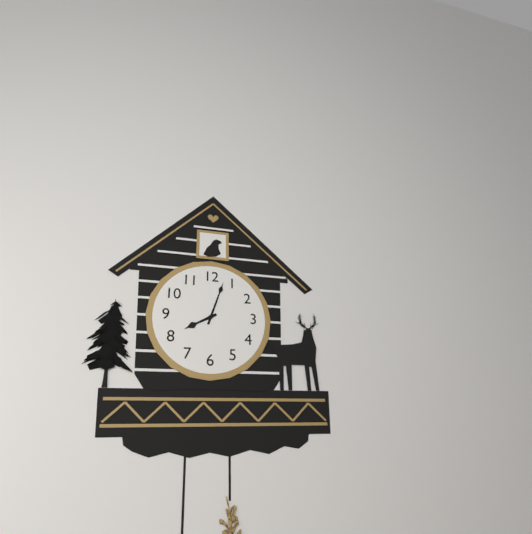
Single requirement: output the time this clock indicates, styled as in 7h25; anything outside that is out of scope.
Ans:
8h03
